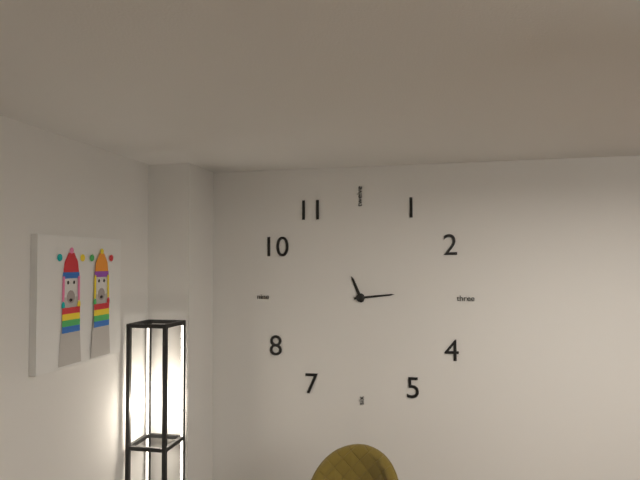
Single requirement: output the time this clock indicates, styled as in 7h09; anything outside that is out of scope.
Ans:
11h14
